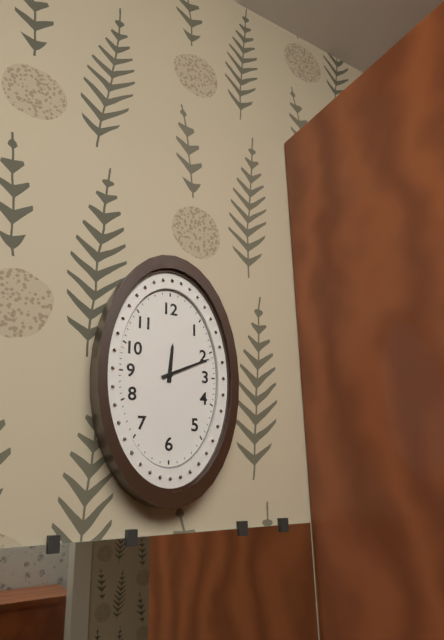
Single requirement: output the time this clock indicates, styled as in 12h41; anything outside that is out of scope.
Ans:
12h11
